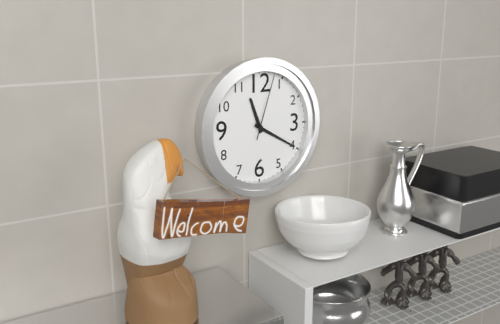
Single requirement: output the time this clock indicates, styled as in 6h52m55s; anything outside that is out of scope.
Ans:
11h20m03s
